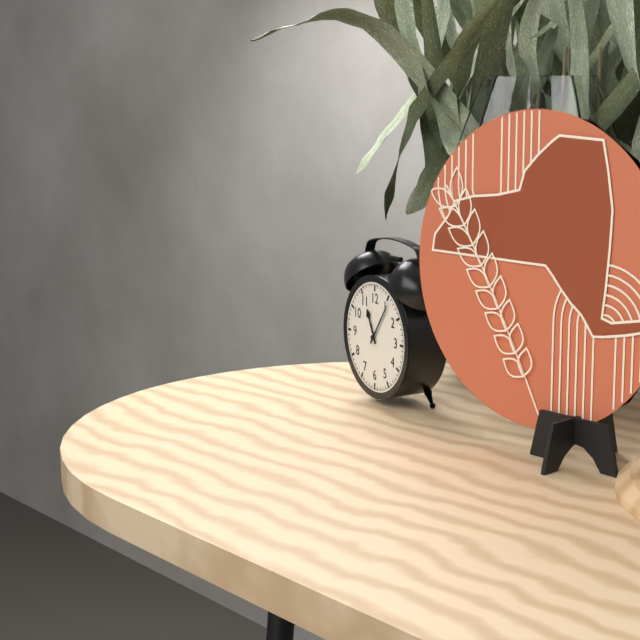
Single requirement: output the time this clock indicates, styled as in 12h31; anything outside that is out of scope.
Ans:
11h06
